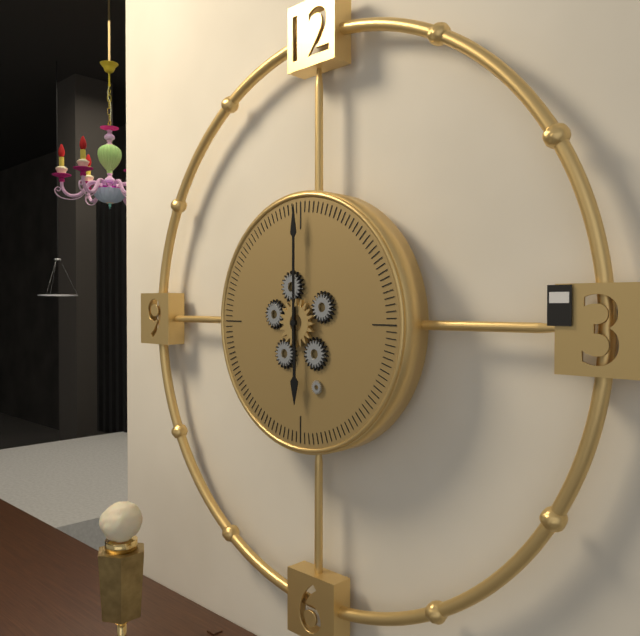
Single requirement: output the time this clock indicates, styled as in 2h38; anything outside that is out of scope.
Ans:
6h00
